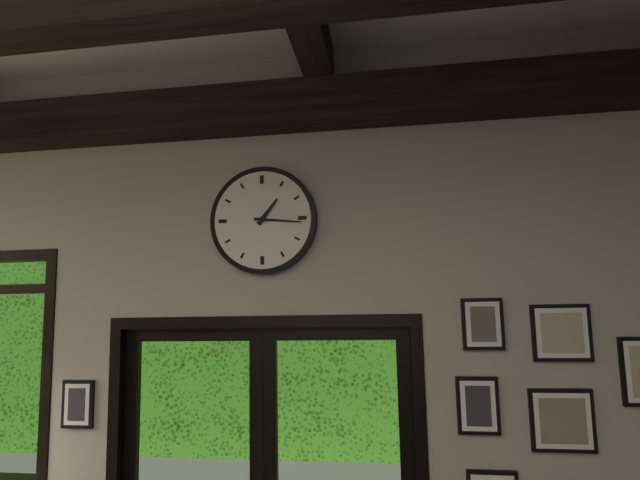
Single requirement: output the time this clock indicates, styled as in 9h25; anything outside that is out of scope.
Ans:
1h16
